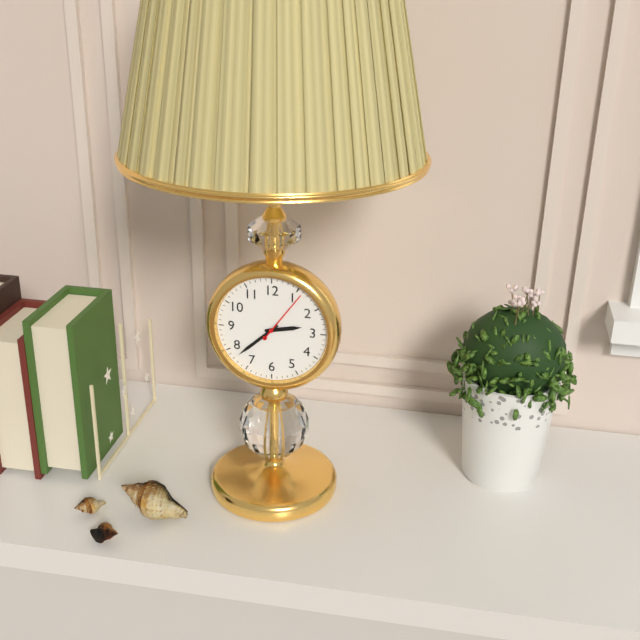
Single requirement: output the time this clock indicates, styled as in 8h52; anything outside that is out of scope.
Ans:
2h38
